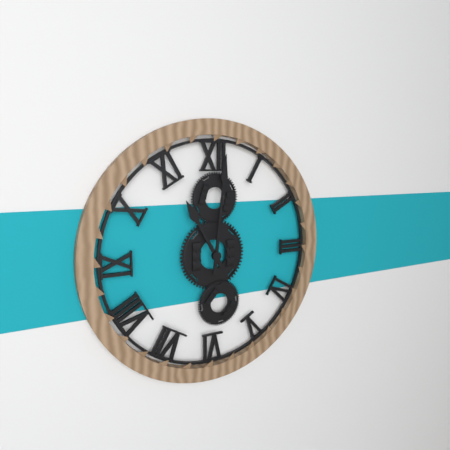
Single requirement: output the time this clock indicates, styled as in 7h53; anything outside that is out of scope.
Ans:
11h01
